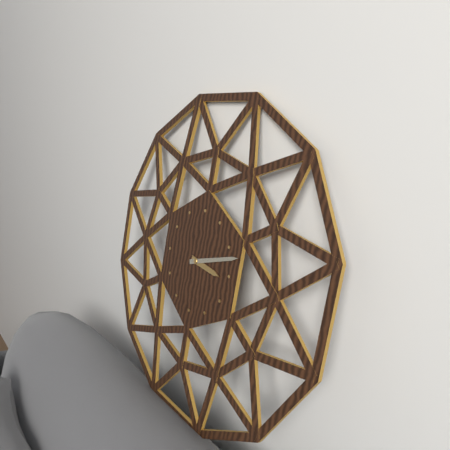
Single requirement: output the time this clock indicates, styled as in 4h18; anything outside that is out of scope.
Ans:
3h12
